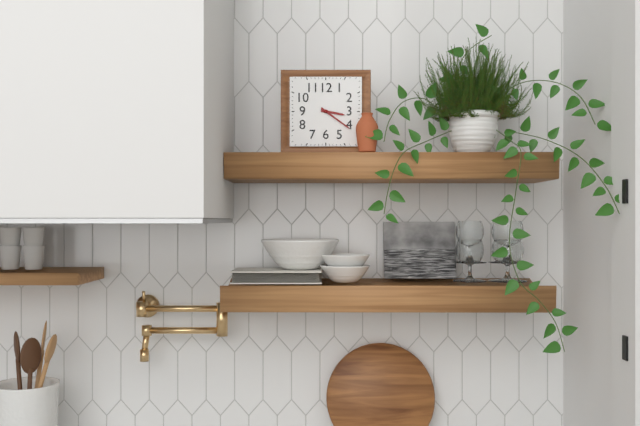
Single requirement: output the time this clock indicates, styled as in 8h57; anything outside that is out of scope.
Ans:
3h21
